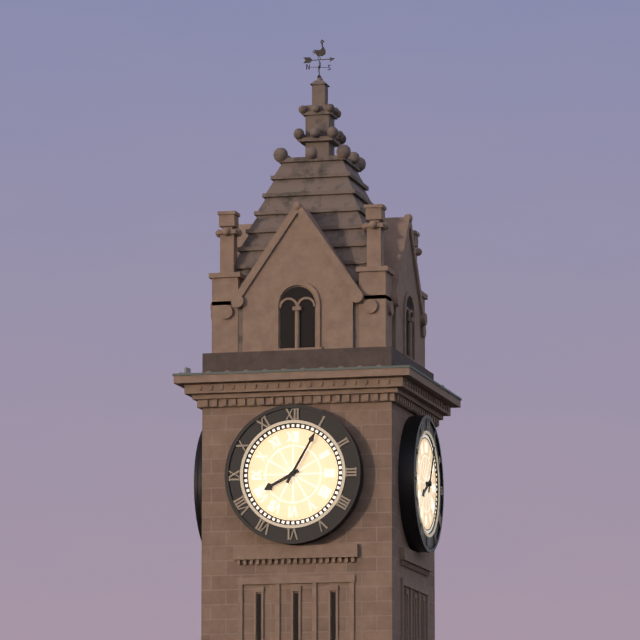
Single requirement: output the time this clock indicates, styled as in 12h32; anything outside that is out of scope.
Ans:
8h05
